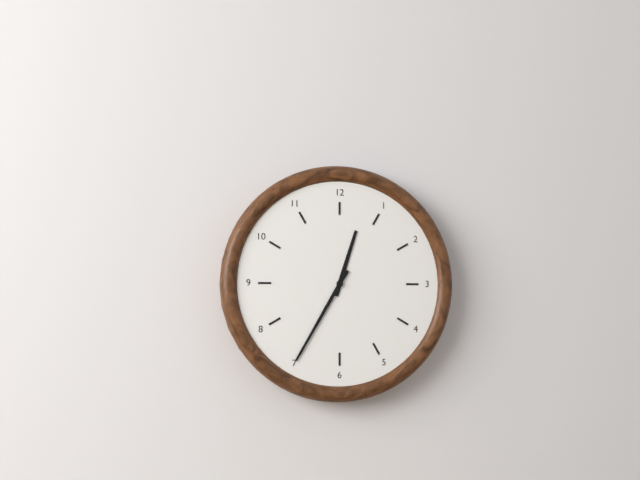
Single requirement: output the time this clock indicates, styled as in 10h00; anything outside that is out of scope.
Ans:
12h35
